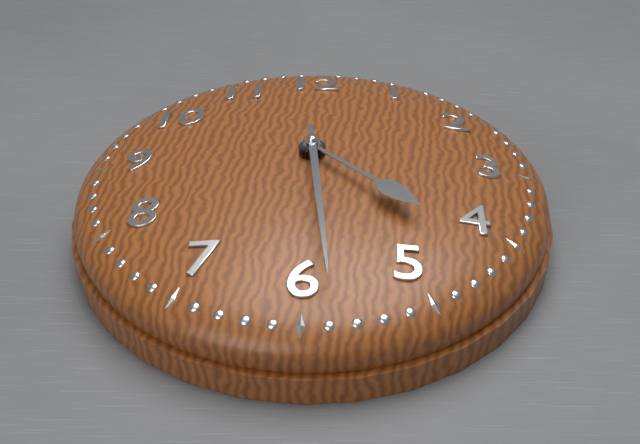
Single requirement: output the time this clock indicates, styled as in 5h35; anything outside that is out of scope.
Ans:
4h29
